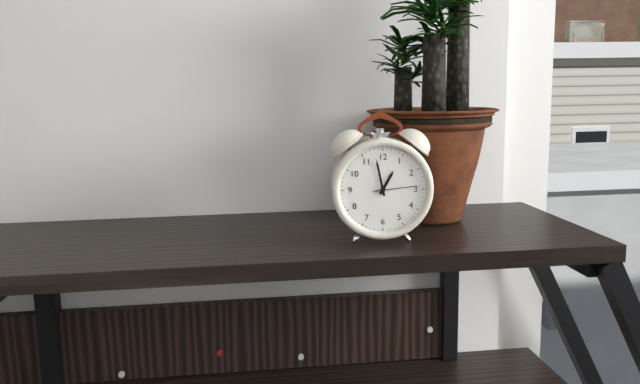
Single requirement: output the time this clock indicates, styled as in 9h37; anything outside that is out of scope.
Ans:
12h58
